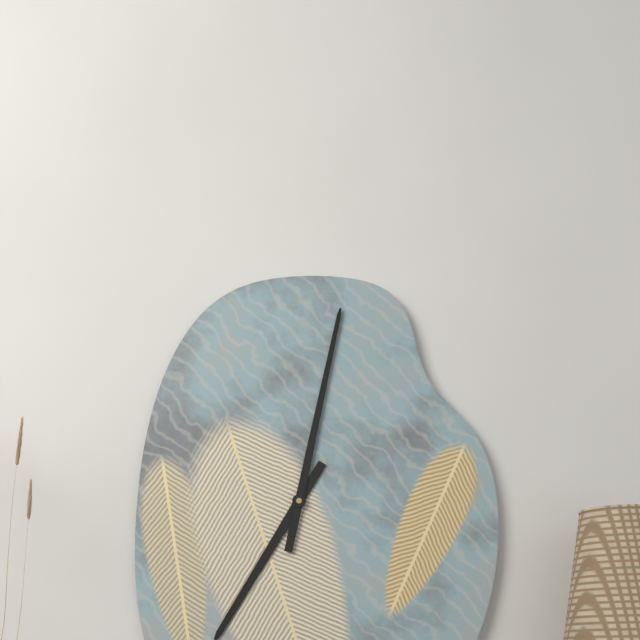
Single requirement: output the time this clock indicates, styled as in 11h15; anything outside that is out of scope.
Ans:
7h02
